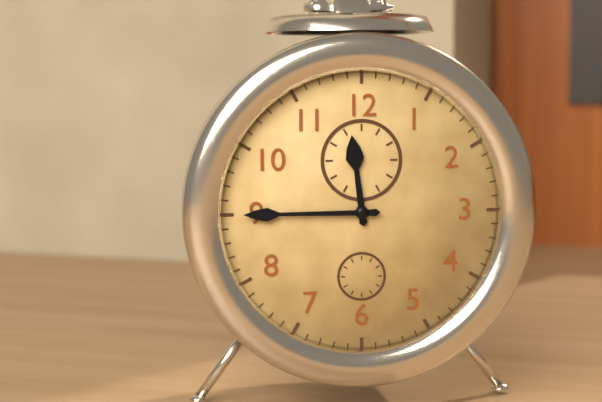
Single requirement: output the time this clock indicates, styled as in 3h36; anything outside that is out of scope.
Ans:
11h45
